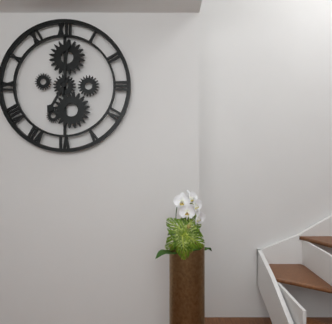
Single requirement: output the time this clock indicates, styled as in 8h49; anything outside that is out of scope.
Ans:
7h01
